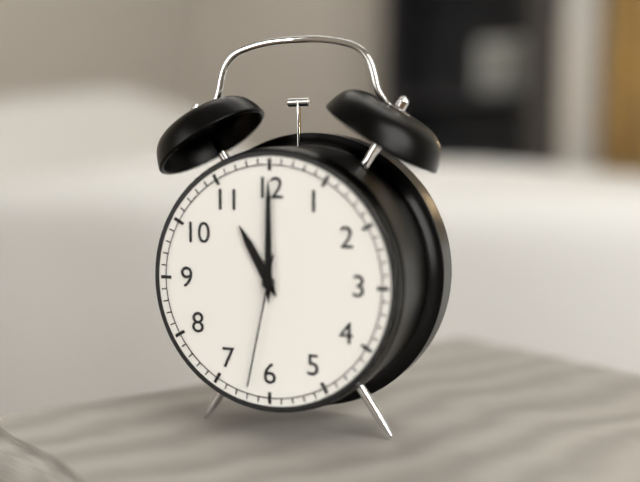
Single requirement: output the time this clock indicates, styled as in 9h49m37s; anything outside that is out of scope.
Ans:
11h00m32s
